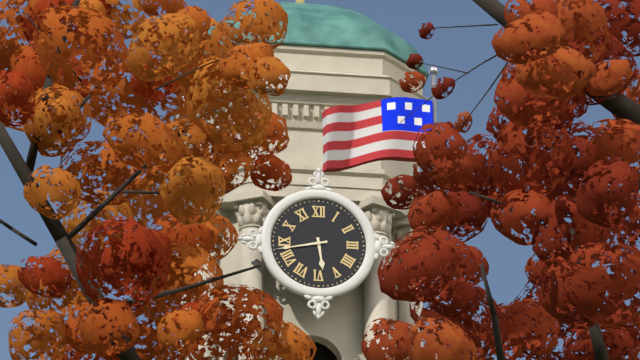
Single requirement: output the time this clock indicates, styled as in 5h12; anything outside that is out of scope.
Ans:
5h43
